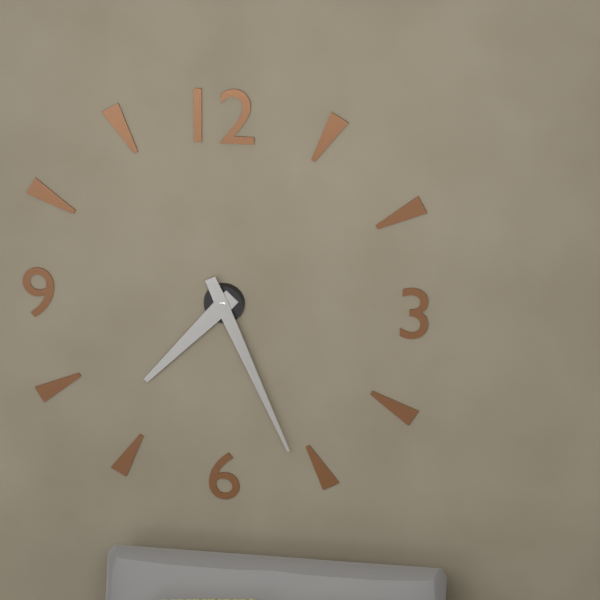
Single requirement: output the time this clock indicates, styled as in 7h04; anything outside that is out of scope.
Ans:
7h26
